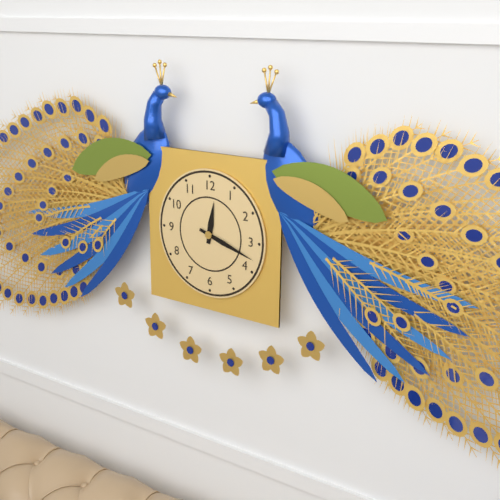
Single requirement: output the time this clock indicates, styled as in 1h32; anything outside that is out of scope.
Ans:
12h18
